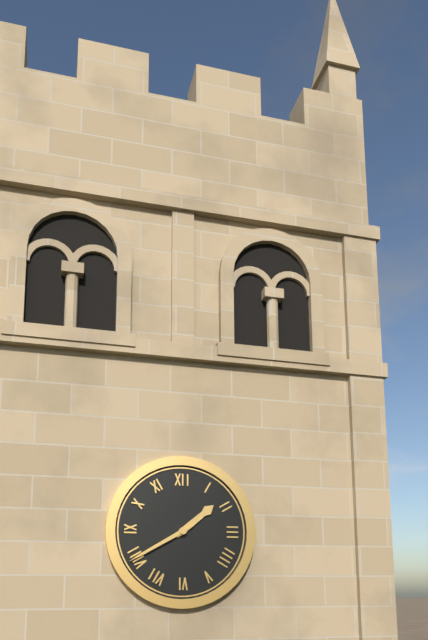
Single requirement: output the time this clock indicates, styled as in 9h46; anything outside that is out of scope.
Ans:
1h40
